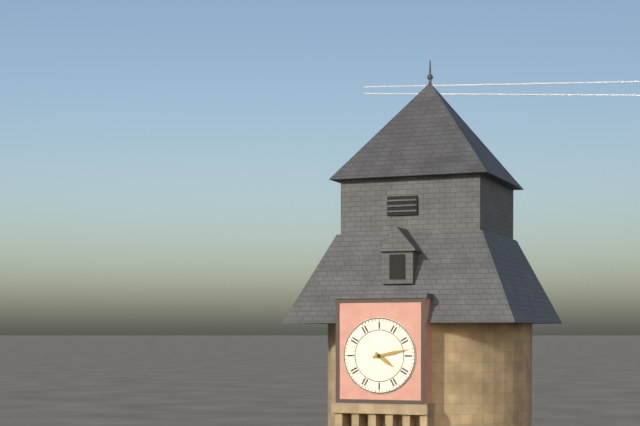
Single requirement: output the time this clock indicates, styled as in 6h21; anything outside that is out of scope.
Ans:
4h13
